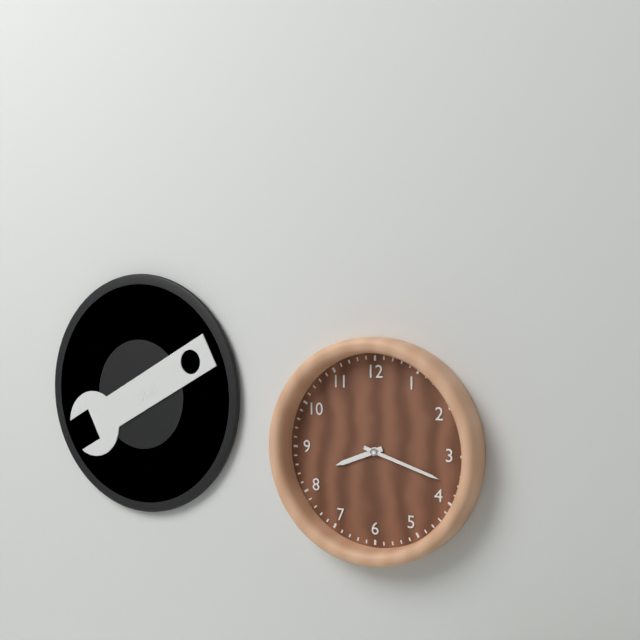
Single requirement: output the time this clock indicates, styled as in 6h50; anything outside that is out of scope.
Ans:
8h18
